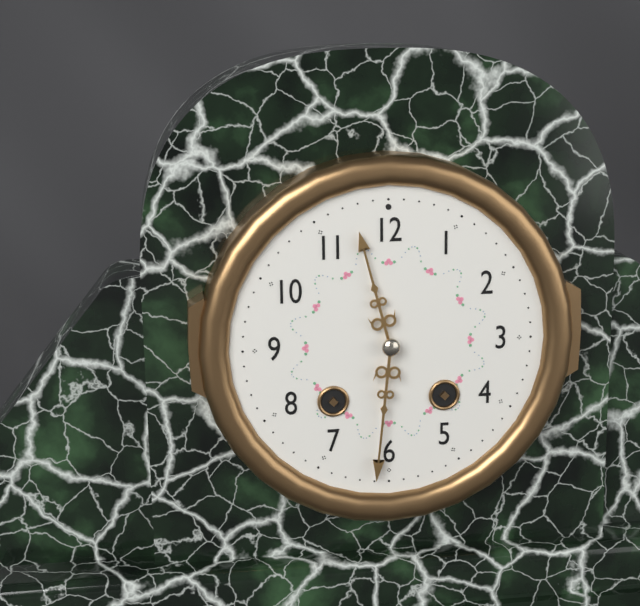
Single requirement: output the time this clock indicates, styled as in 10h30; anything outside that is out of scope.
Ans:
11h31
